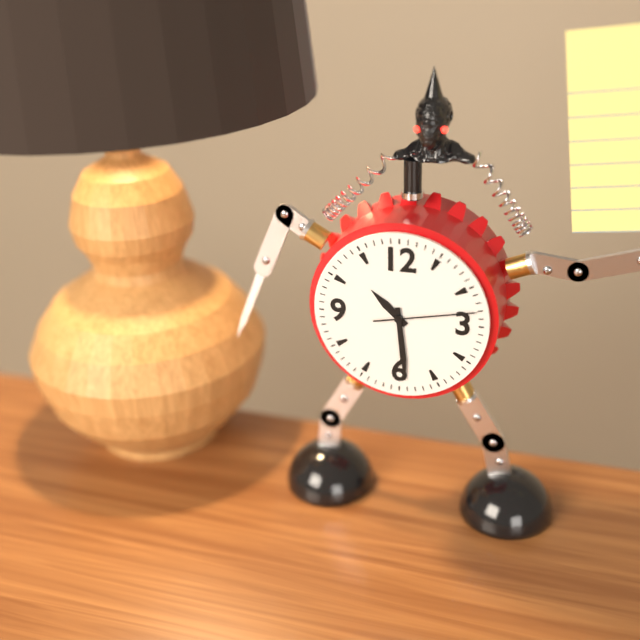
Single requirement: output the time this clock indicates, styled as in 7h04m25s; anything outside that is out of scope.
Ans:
10h29m13s
